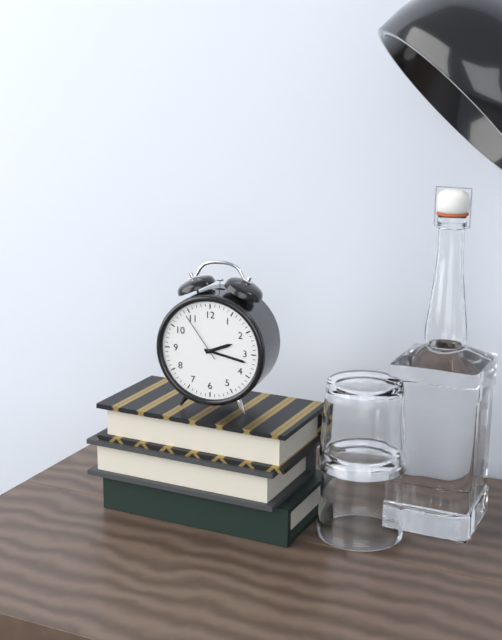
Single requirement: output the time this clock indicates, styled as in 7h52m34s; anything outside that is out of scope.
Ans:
2h17m54s
